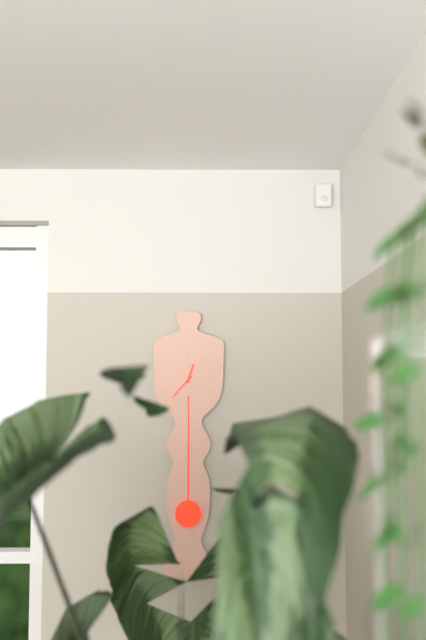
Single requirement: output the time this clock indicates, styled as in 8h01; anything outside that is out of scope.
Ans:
12h37
